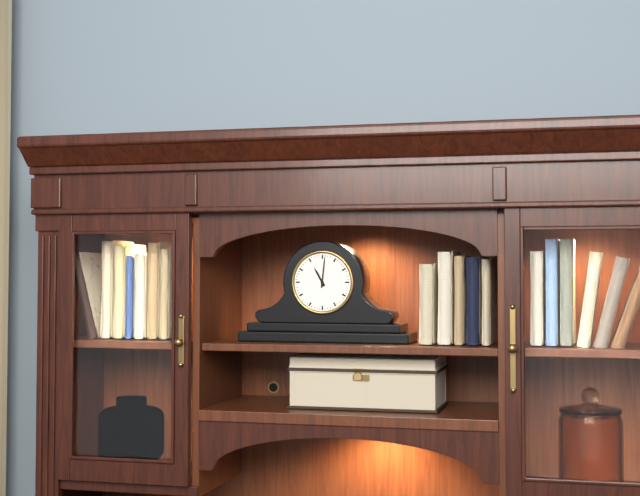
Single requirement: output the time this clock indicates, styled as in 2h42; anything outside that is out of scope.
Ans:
11h01
